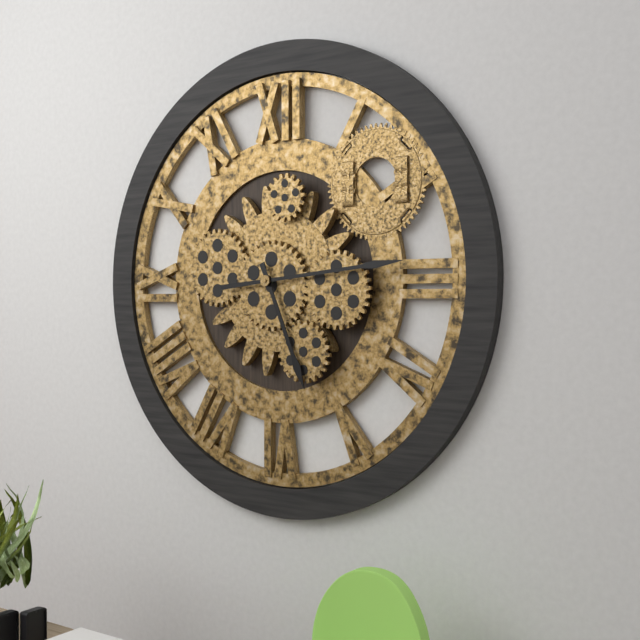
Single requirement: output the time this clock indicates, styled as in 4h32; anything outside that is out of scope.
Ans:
5h14
